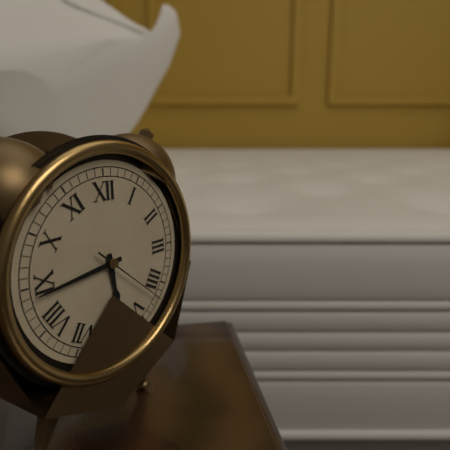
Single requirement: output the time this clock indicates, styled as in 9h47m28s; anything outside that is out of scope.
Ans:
5h44m22s
